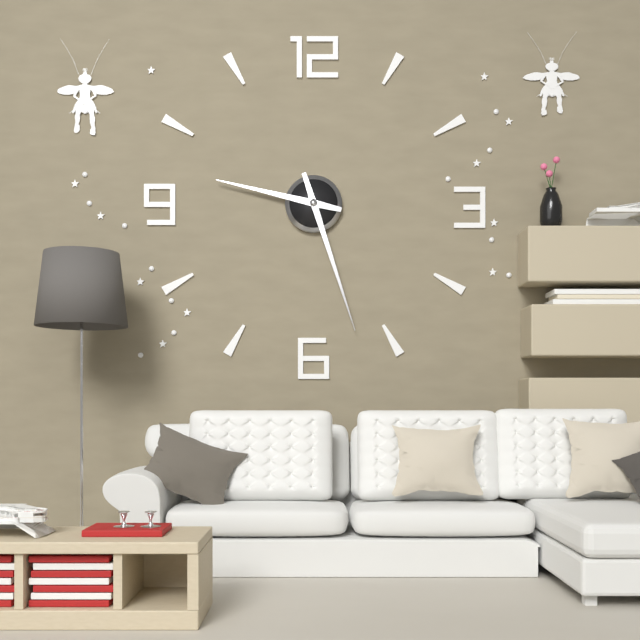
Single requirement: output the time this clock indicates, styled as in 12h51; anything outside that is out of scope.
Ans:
9h27
